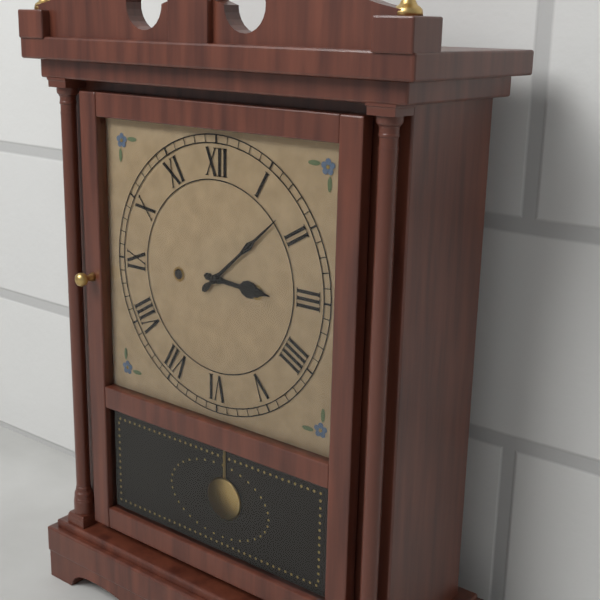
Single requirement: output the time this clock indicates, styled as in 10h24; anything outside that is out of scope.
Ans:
3h08
